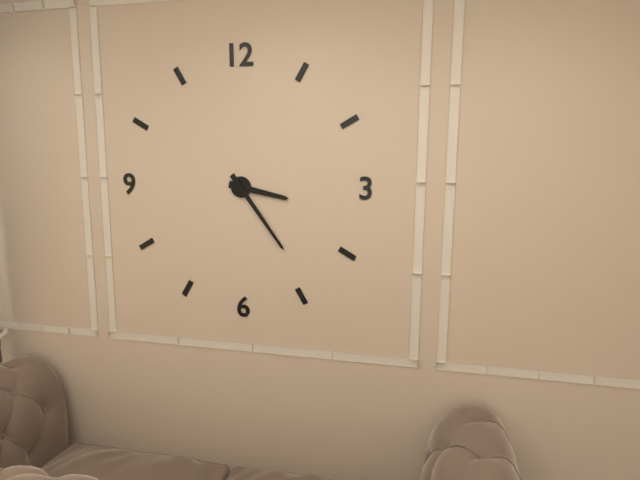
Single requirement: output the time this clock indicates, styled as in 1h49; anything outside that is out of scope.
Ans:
3h24
